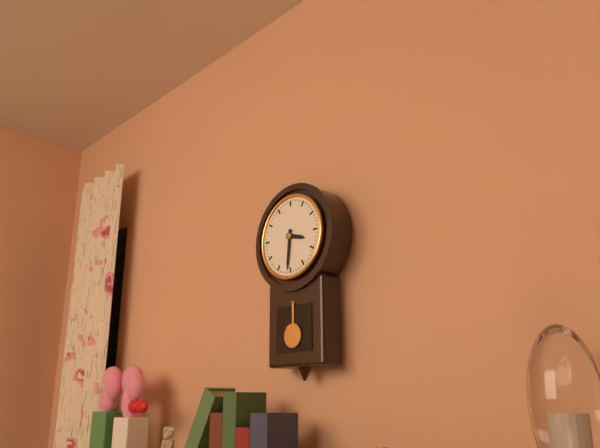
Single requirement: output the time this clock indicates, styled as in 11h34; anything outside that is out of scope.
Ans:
3h31
